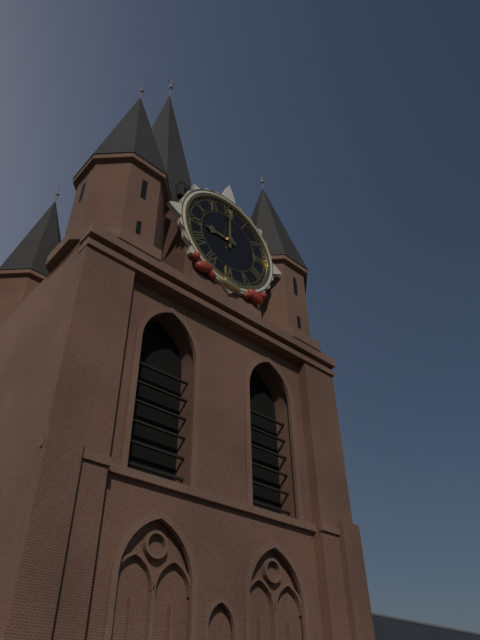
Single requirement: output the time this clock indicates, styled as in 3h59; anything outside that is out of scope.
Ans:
9h00
